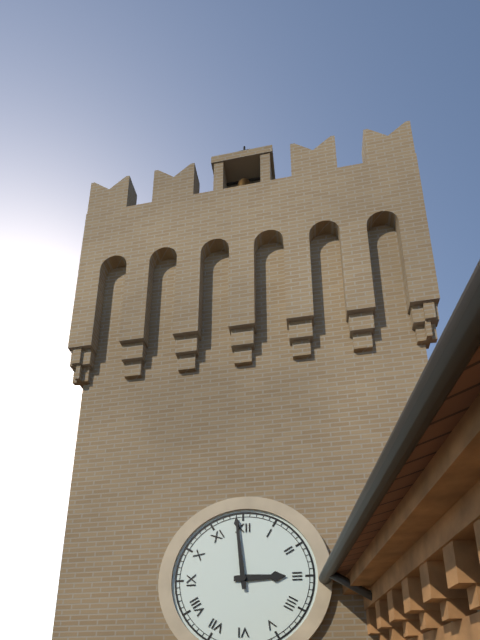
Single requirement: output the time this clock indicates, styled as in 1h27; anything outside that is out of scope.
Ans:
2h59
